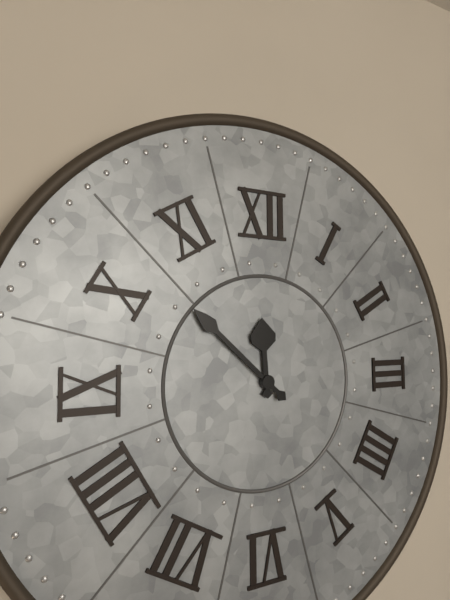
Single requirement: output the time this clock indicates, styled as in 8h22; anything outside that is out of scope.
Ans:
11h52
